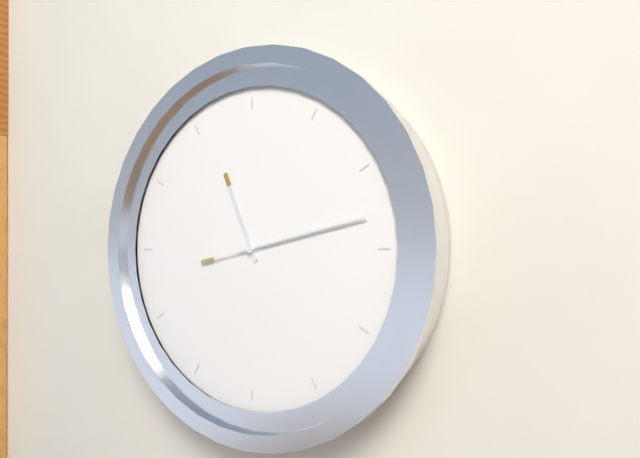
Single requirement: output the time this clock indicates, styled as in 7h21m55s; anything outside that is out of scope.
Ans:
11h13m13s
